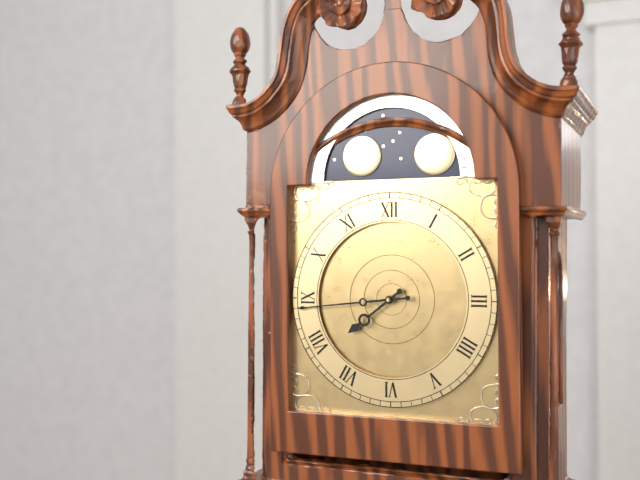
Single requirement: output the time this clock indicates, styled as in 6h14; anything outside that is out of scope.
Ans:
7h44
